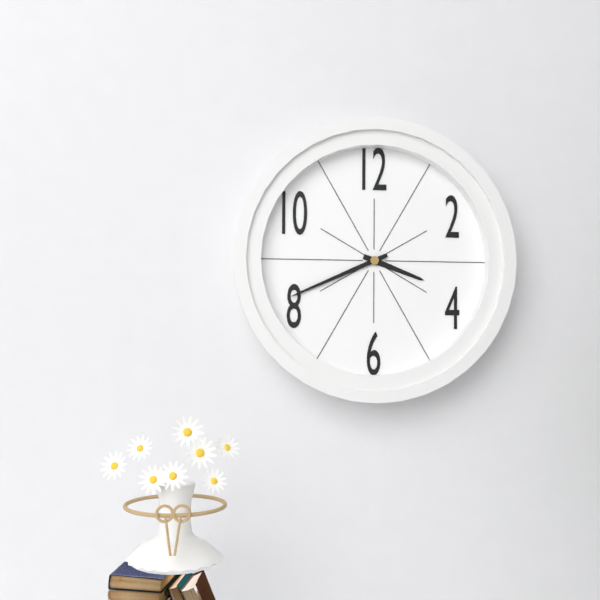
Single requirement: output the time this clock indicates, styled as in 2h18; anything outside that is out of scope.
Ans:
3h41
